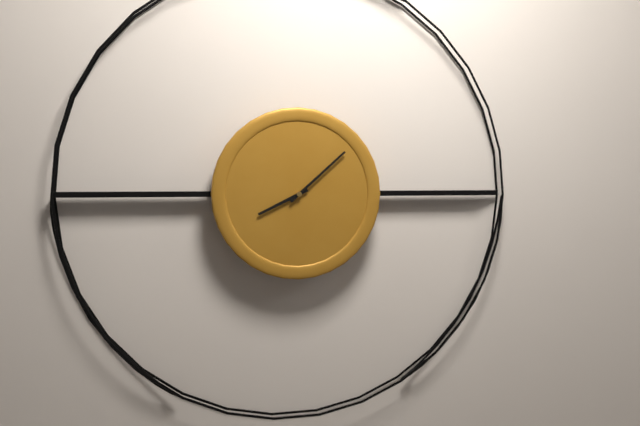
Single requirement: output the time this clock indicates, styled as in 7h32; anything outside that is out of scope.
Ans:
8h08
